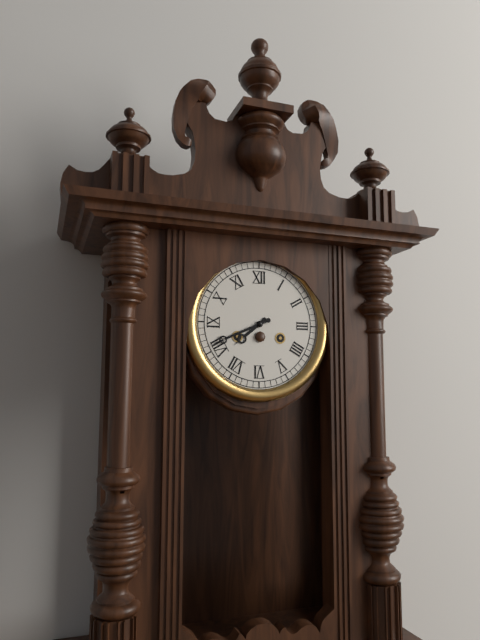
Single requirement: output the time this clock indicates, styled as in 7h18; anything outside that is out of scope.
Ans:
7h41
